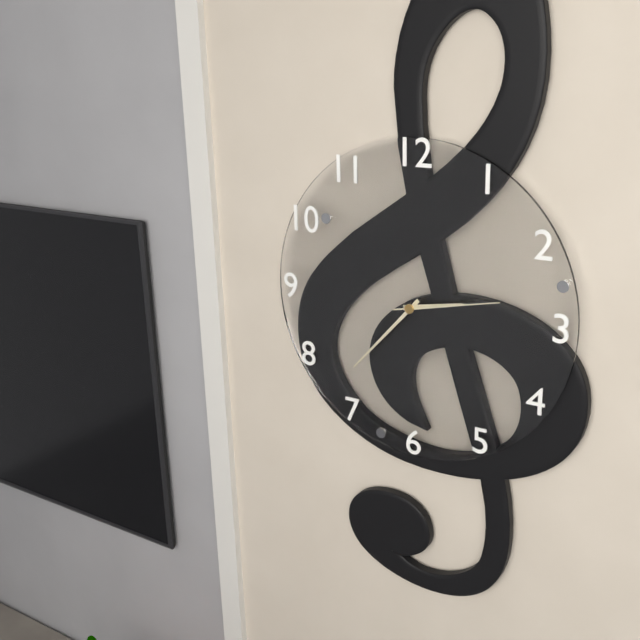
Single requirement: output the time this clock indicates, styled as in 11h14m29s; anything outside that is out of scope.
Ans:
2h37m13s
